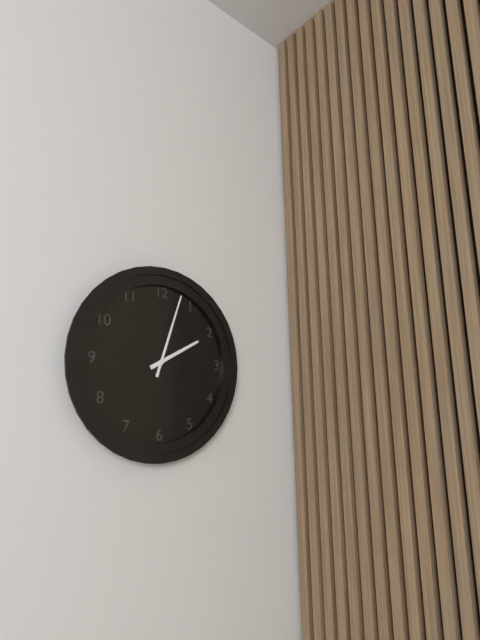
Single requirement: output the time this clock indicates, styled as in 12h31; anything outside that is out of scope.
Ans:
2h03
